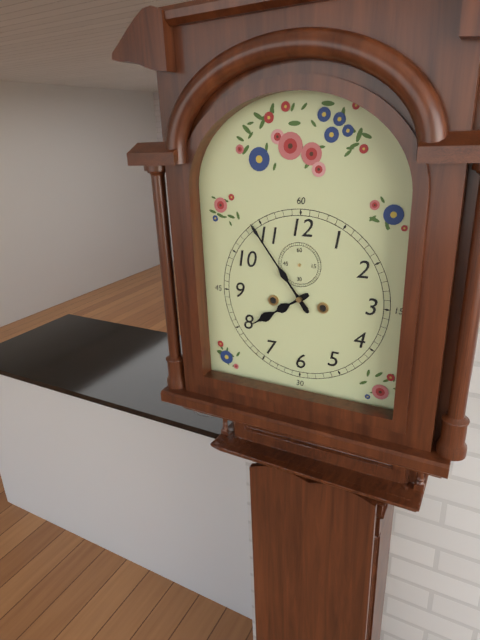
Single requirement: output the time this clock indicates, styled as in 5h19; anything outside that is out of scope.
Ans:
7h54
